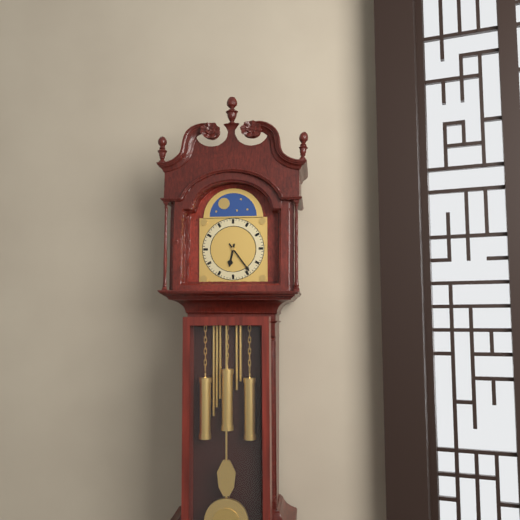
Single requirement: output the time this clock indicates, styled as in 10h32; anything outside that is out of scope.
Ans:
6h24
